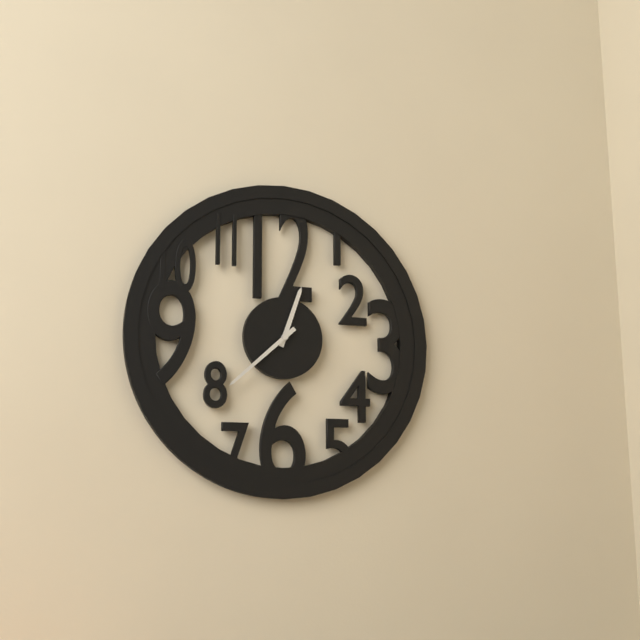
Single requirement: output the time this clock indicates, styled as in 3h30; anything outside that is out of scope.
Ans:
12h38
